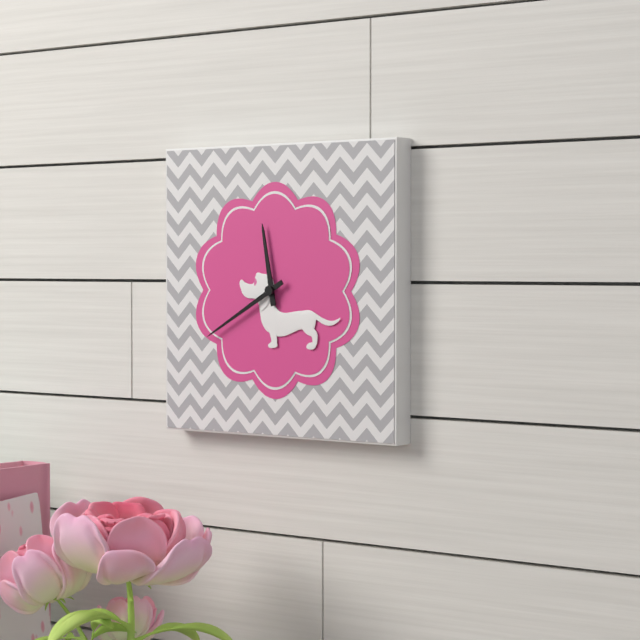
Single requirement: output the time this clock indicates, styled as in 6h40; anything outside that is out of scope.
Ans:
11h40
